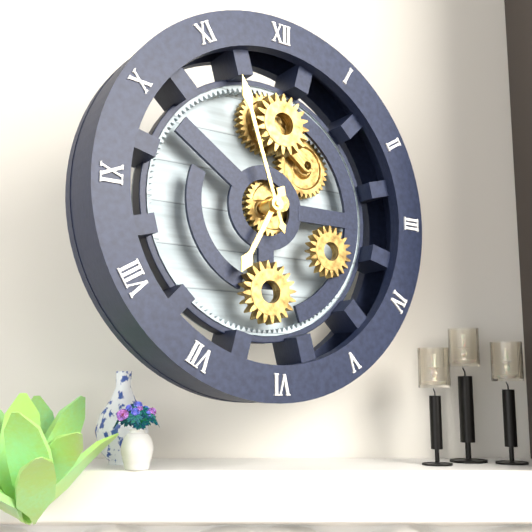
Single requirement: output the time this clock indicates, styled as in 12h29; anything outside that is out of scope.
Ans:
6h57
